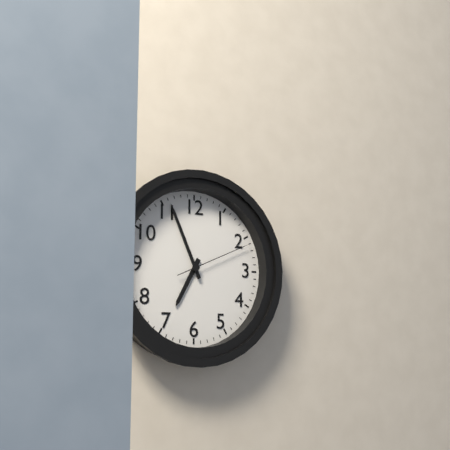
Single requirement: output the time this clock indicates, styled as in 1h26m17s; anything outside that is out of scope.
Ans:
6h56m11s
